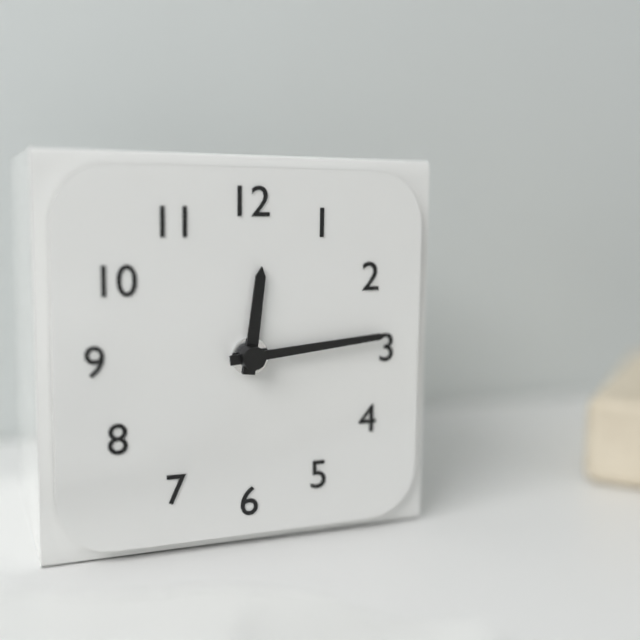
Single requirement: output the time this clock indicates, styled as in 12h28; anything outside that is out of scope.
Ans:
12h14
